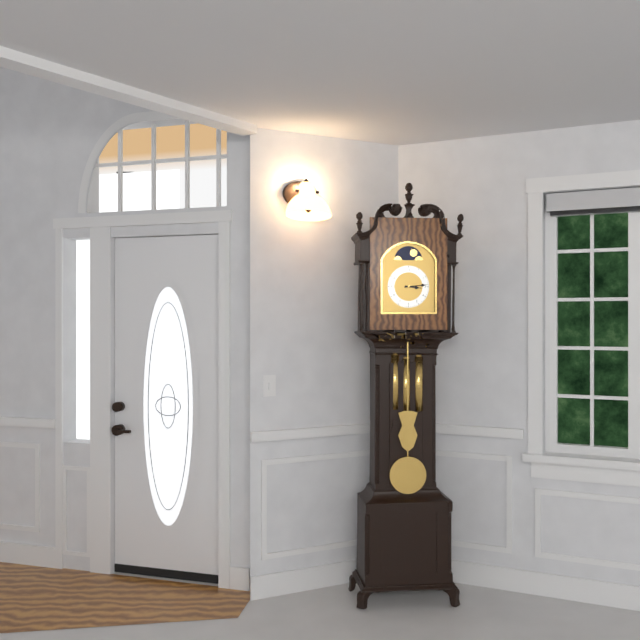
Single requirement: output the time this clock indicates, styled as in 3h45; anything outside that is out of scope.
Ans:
3h14
